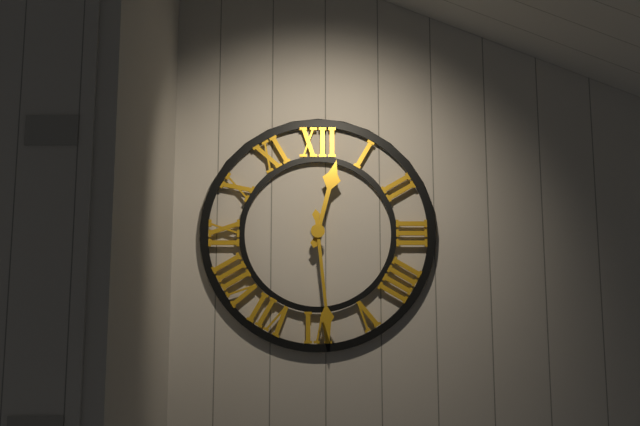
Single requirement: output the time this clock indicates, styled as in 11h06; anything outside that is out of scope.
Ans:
12h29
